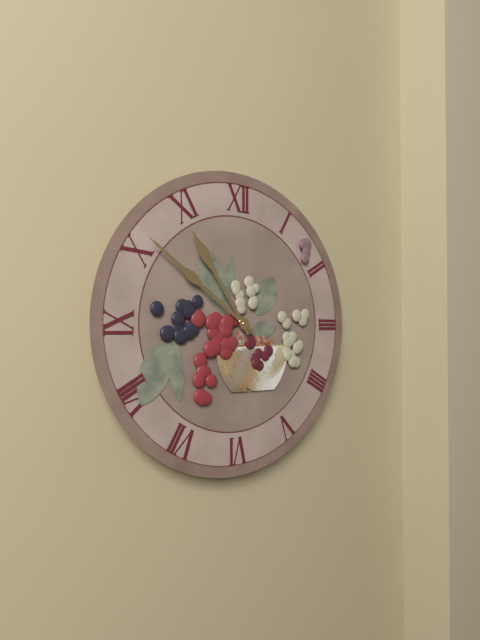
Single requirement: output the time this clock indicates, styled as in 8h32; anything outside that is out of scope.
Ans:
10h51
